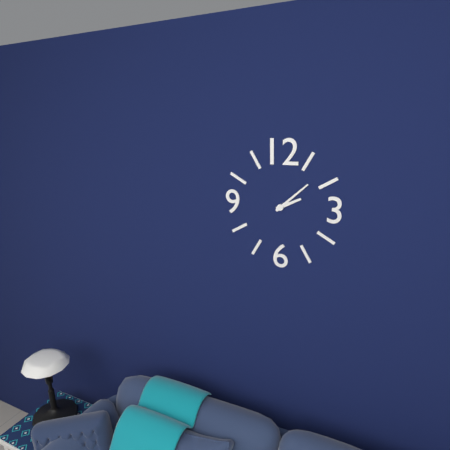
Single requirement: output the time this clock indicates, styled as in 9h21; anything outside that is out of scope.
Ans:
2h08
